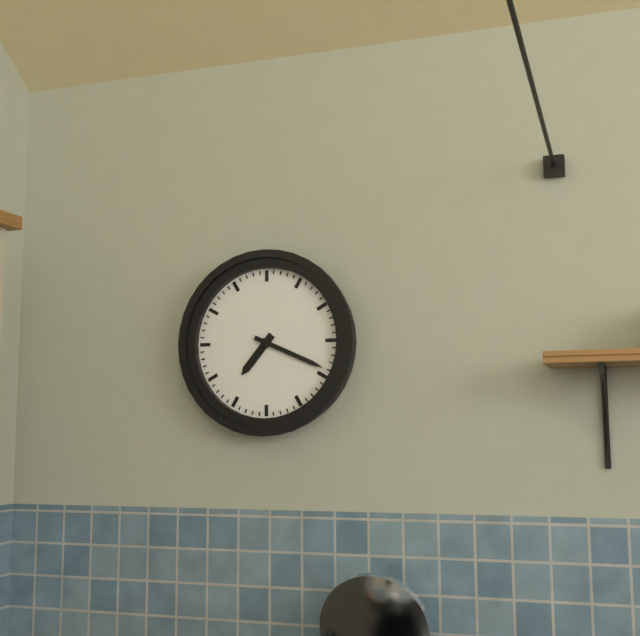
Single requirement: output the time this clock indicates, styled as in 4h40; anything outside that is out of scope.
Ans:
7h19
